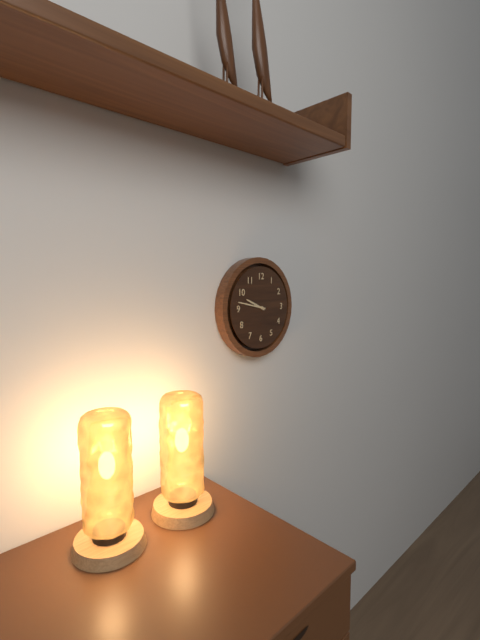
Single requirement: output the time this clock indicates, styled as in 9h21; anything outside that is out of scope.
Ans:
9h47
